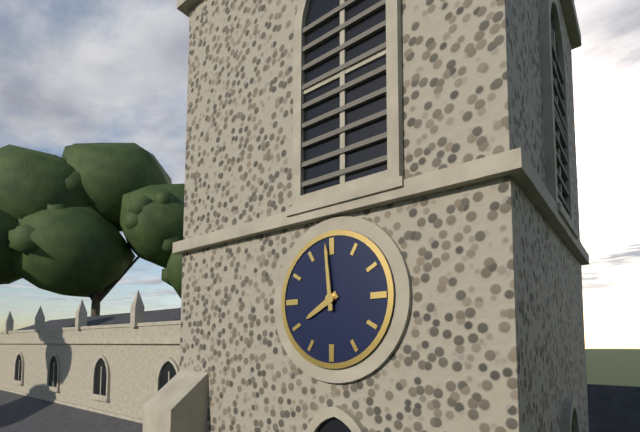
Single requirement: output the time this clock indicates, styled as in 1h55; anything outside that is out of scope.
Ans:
7h59
